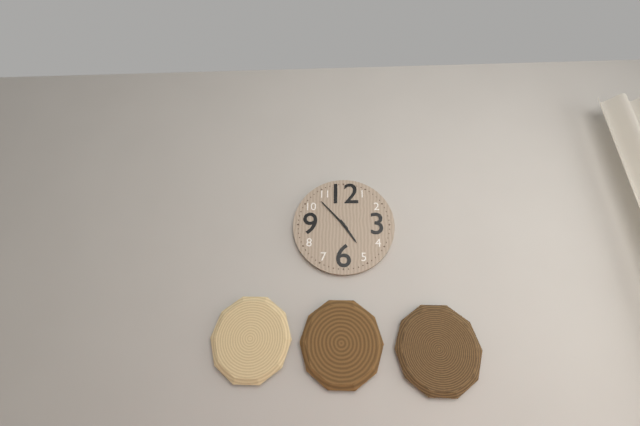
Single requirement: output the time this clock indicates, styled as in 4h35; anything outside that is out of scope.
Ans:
4h53
